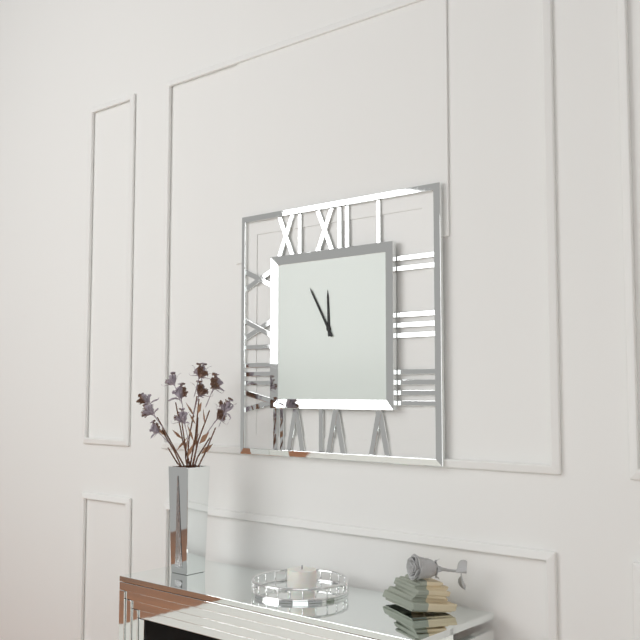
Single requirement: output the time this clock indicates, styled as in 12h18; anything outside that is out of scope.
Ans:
11h55
